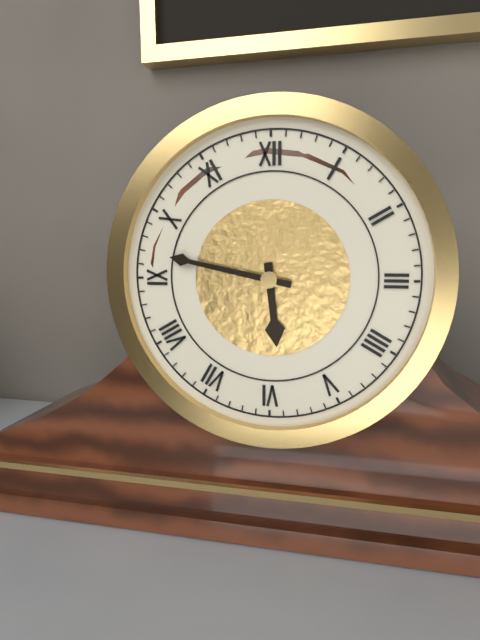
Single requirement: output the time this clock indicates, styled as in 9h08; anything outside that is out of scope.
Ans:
5h47
